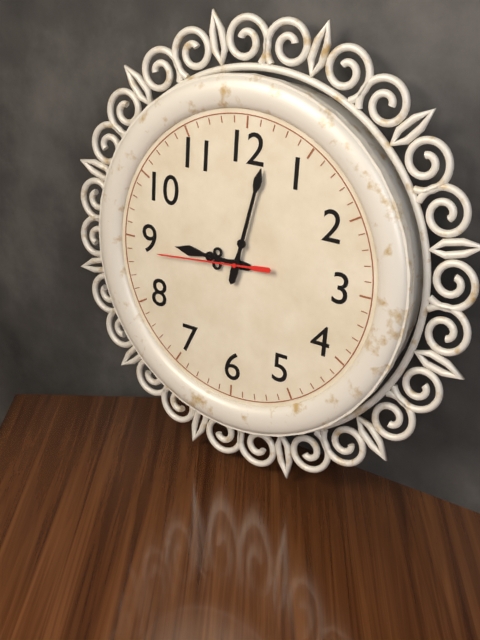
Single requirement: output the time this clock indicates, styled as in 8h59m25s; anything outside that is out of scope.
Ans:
9h02m44s
